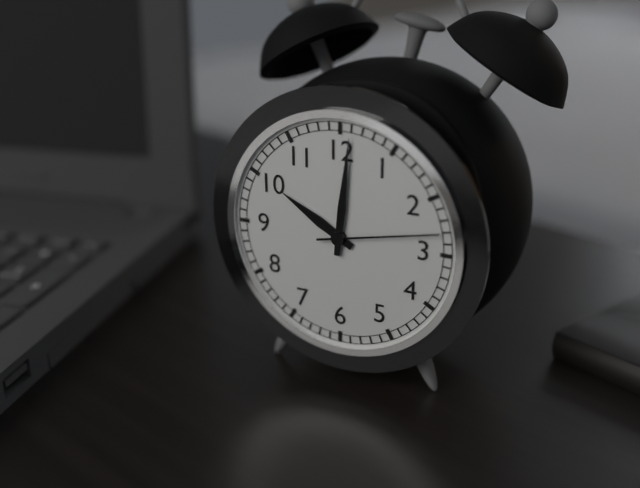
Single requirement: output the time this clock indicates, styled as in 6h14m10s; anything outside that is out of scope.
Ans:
10h01m13s
